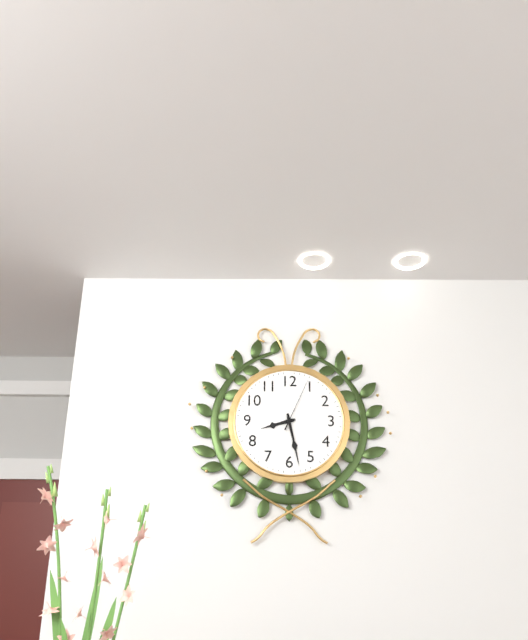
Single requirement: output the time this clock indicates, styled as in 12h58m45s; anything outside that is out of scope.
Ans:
8h28m04s
